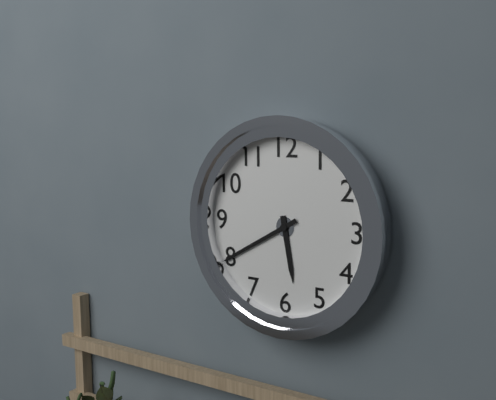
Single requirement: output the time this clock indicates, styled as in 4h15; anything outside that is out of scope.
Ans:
5h40
